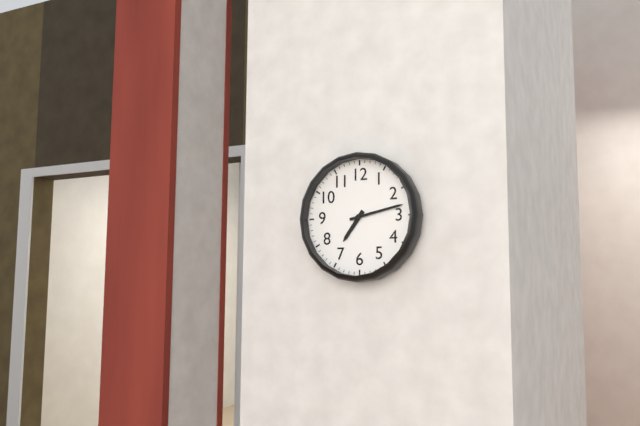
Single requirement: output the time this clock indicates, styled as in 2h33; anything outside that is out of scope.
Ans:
7h13
